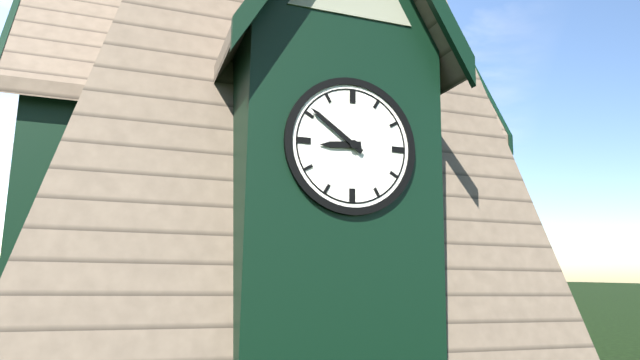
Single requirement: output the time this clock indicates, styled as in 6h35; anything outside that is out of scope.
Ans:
8h51
